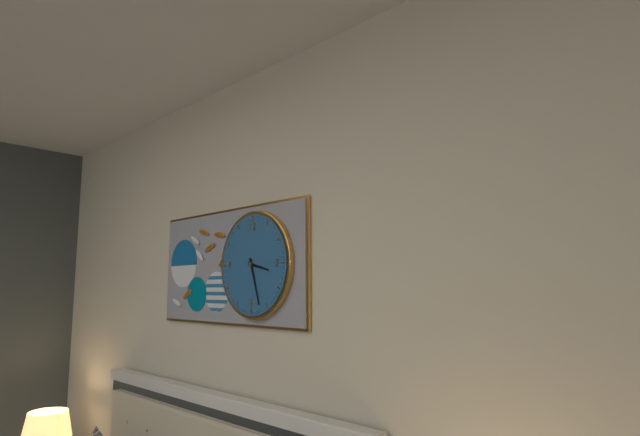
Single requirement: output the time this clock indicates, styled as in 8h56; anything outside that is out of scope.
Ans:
3h27
